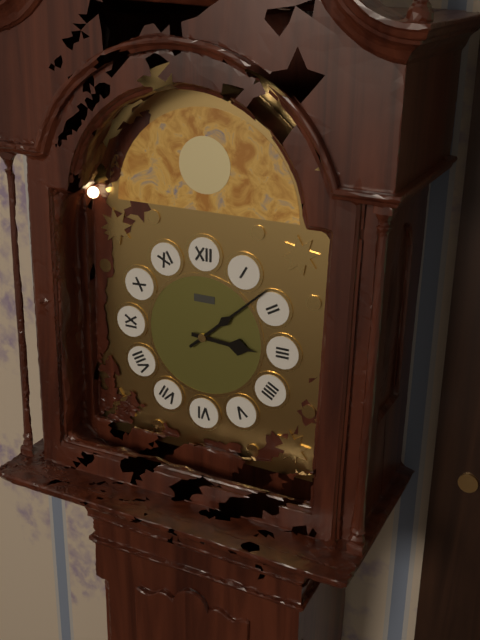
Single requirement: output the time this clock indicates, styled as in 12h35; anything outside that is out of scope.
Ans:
3h08
